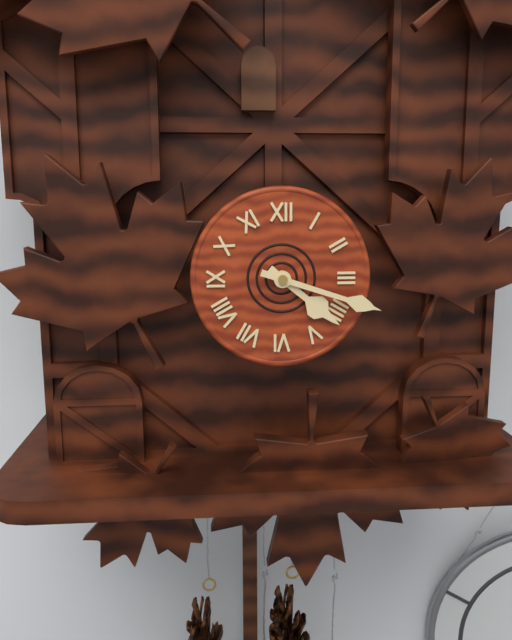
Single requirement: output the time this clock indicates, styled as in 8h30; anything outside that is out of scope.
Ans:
4h18
